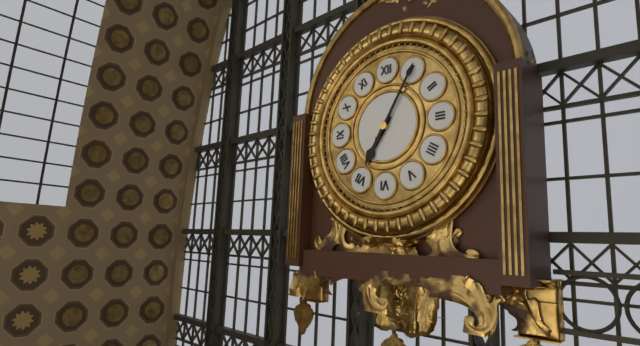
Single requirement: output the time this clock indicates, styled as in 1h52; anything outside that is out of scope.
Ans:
7h05
